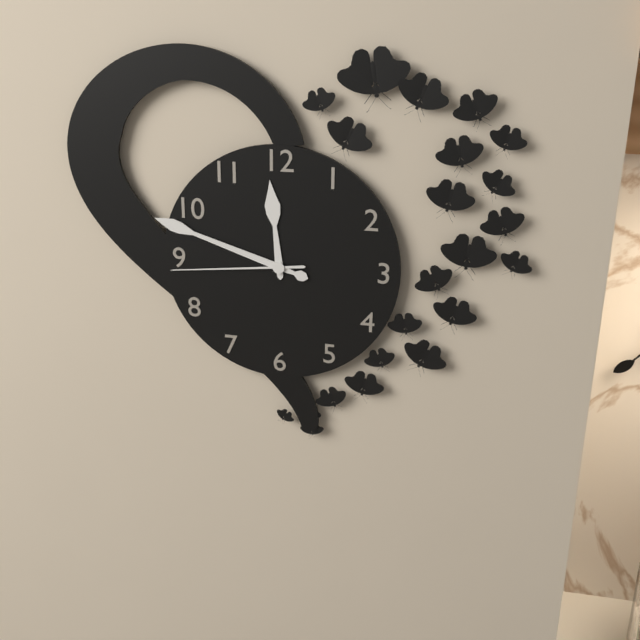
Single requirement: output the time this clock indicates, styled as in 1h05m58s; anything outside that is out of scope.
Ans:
11h48m44s
